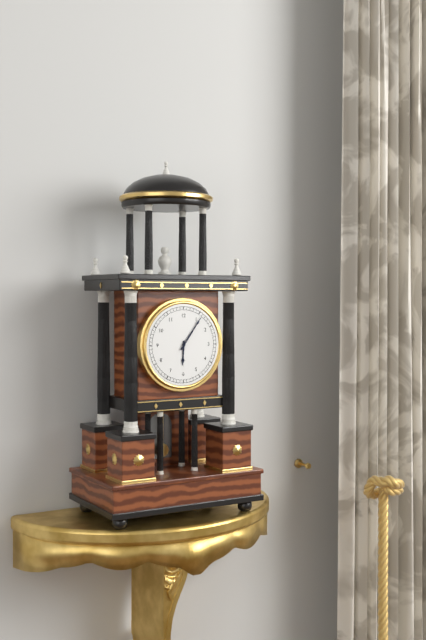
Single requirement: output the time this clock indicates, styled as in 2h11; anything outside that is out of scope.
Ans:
6h06
